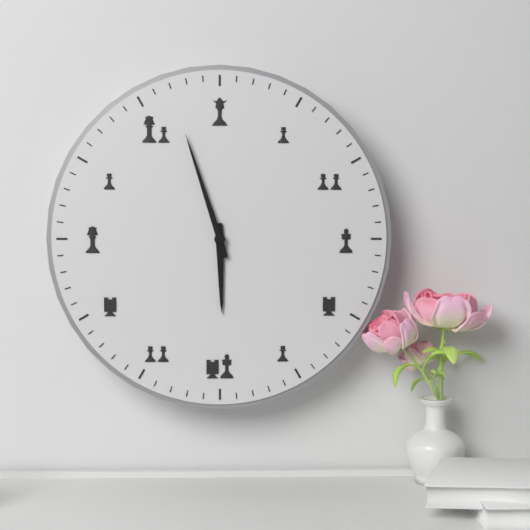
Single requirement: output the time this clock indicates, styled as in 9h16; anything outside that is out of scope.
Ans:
5h57
